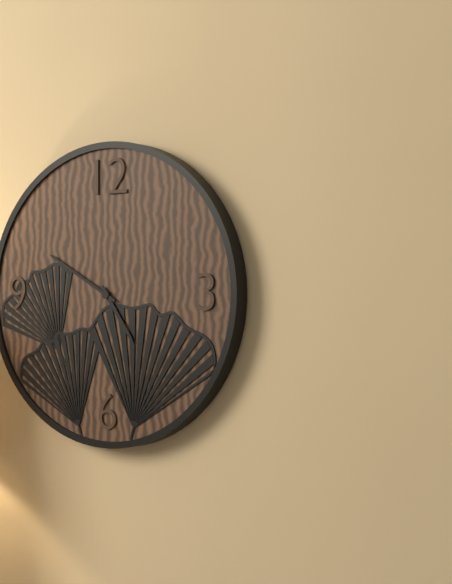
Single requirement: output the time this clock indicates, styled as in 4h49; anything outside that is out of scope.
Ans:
4h50
